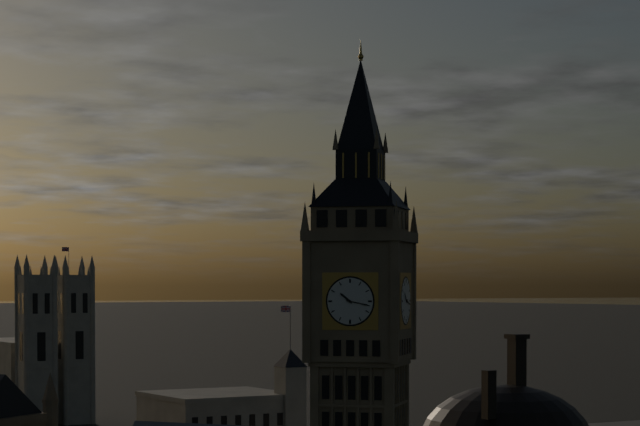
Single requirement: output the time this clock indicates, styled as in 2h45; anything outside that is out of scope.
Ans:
10h17
